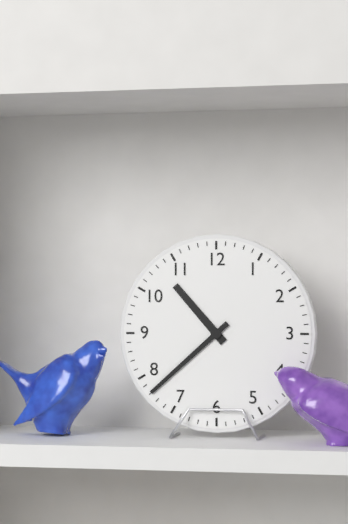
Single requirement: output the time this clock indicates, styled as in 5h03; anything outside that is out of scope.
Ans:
10h38
